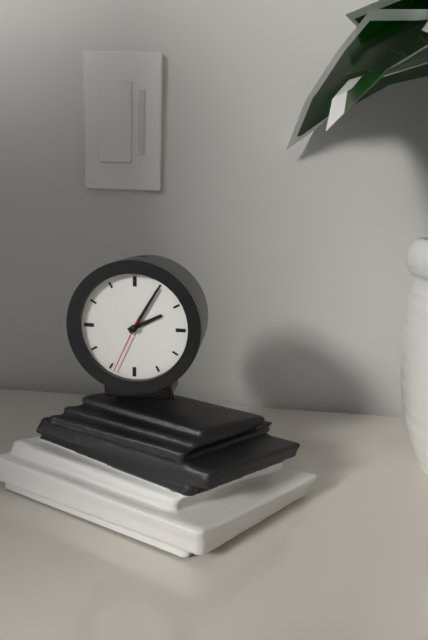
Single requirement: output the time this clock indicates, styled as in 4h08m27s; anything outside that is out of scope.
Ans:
2h05m34s
